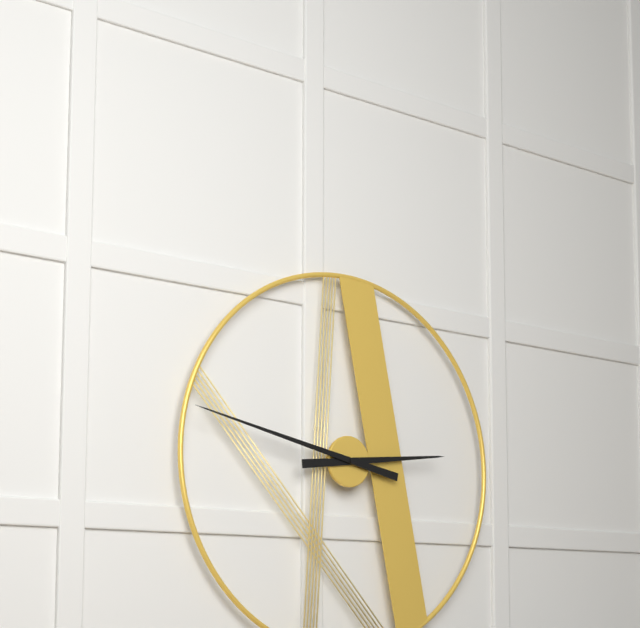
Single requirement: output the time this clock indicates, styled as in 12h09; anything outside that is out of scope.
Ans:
2h47
